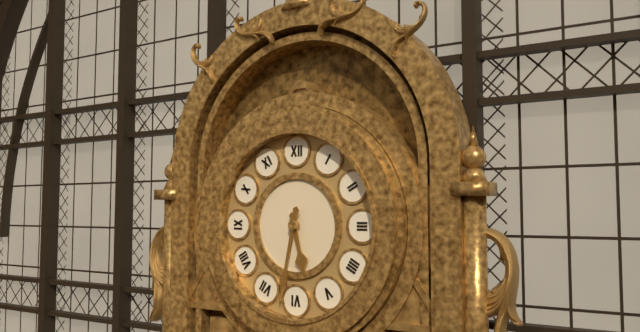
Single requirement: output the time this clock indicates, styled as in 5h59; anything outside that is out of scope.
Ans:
5h32
